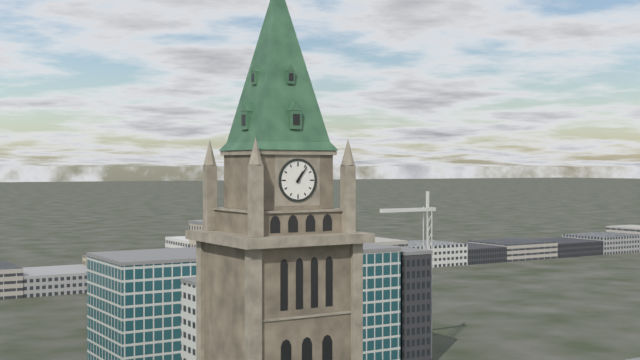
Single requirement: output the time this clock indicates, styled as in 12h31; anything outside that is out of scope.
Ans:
1h06
